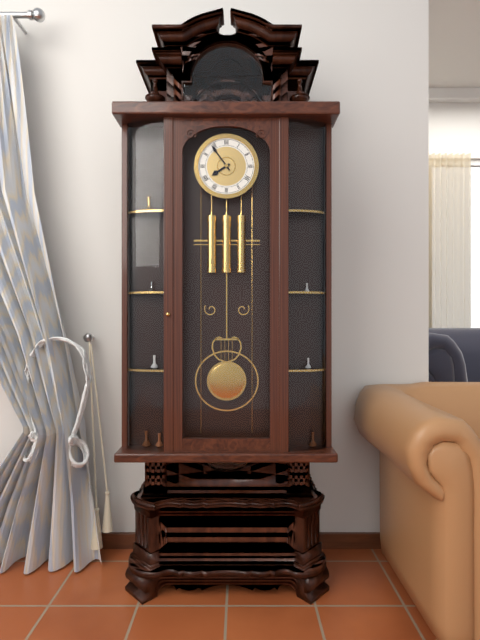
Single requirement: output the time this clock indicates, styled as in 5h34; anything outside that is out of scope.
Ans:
7h54
